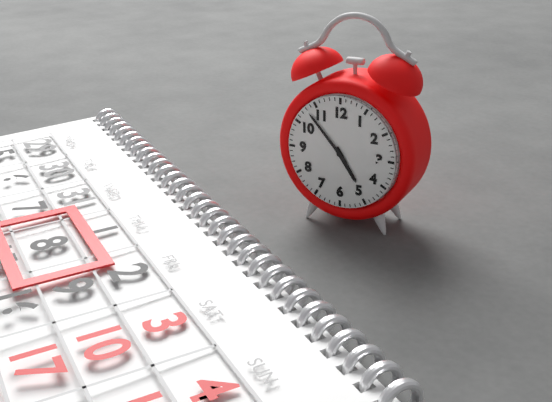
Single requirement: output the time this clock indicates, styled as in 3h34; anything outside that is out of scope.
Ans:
4h53
